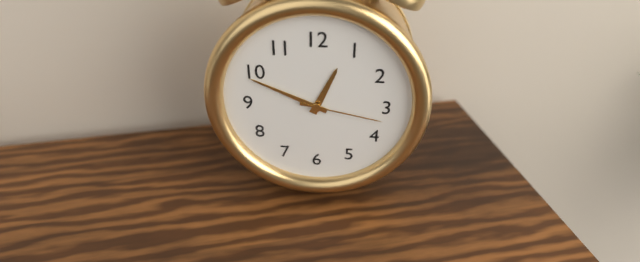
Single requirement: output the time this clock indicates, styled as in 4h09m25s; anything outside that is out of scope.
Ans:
12h49m17s
